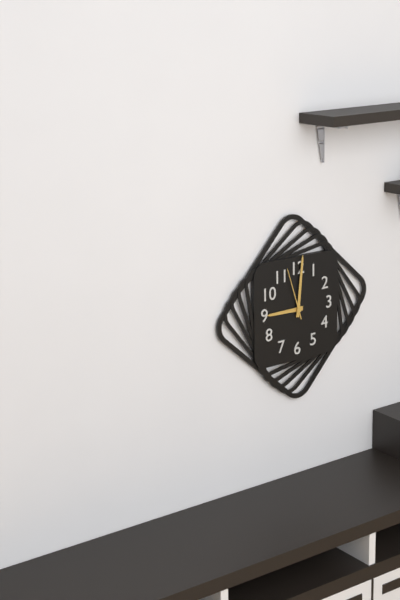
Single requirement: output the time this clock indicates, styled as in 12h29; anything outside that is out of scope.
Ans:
9h01
